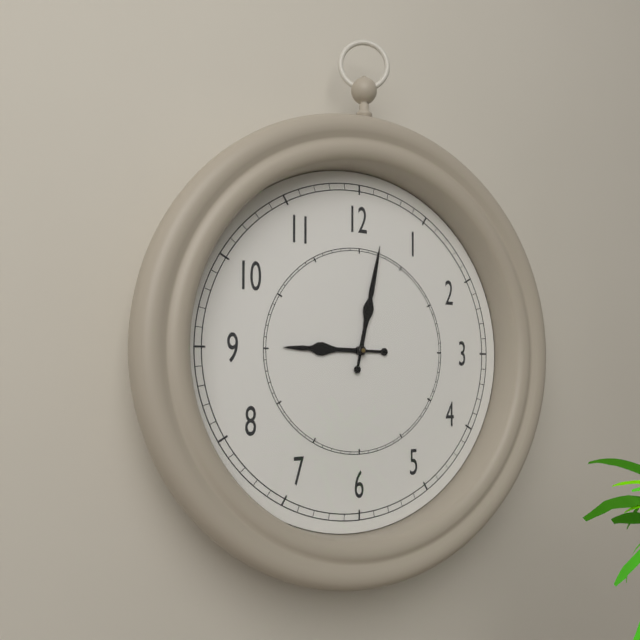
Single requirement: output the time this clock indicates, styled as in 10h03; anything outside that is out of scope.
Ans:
9h02
